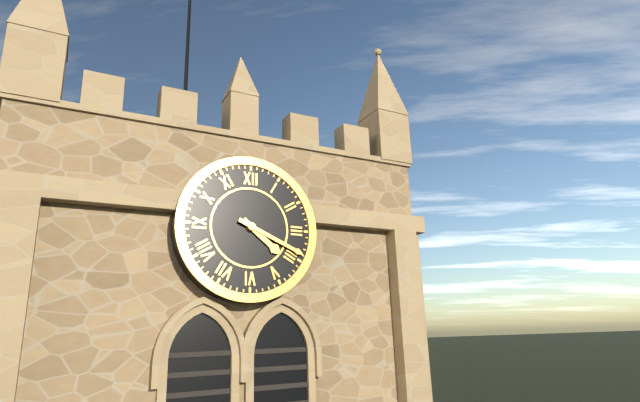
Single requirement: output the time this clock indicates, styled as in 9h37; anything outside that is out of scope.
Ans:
4h19
